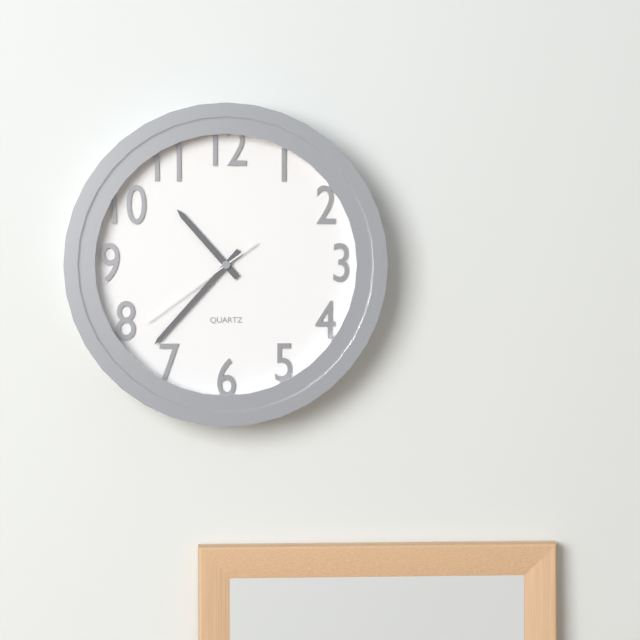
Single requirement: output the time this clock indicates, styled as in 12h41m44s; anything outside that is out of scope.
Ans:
10h37m39s
